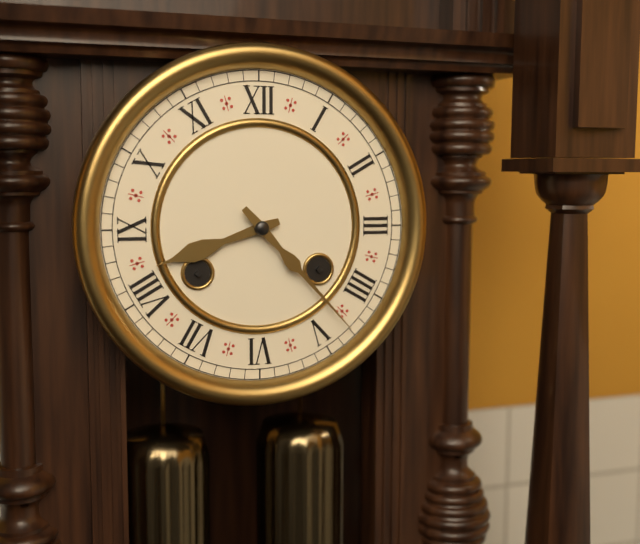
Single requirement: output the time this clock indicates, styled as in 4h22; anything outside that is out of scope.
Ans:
8h23
